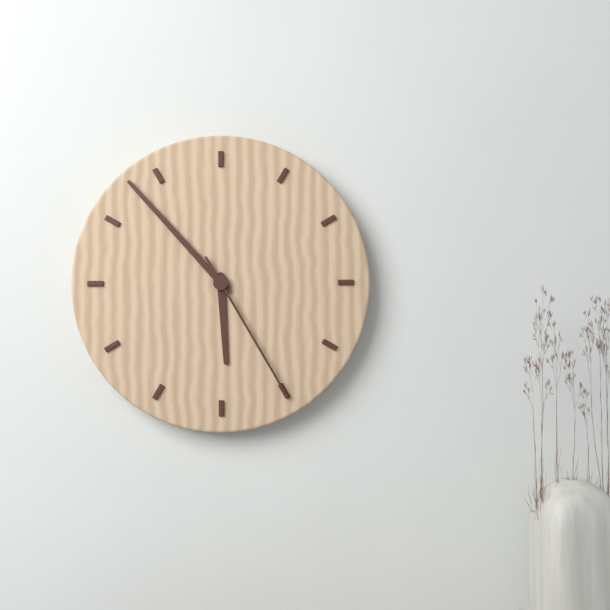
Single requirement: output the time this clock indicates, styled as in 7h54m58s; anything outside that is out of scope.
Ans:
5h53m25s
